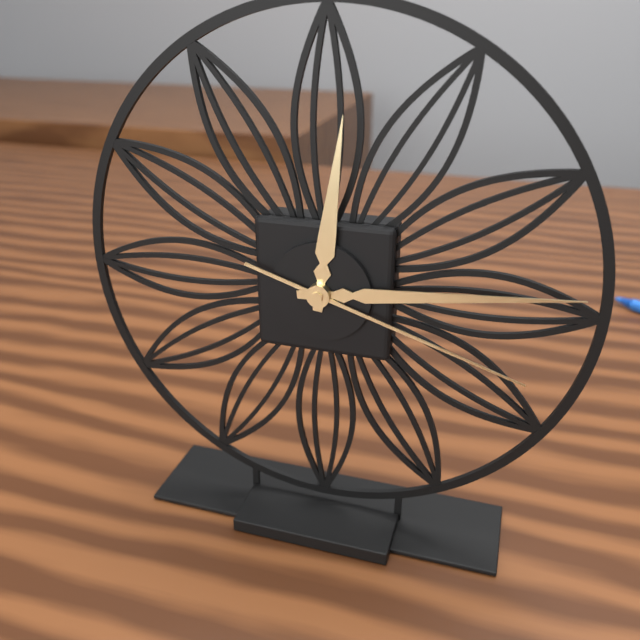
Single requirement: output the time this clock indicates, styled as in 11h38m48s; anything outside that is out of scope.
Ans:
12h14m18s
